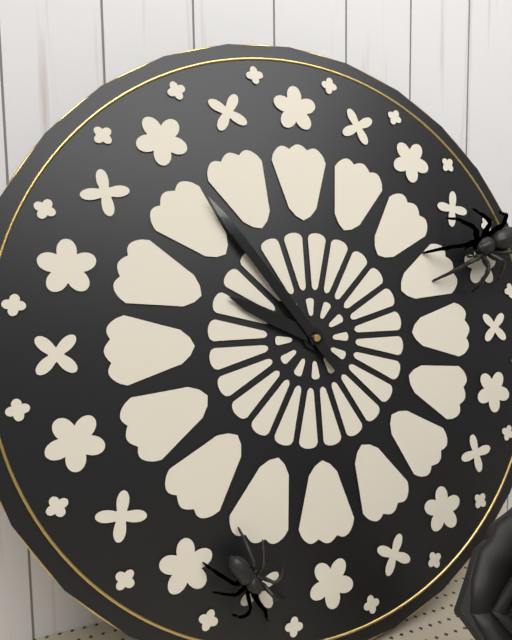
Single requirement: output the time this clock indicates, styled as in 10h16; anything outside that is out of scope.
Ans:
9h54
